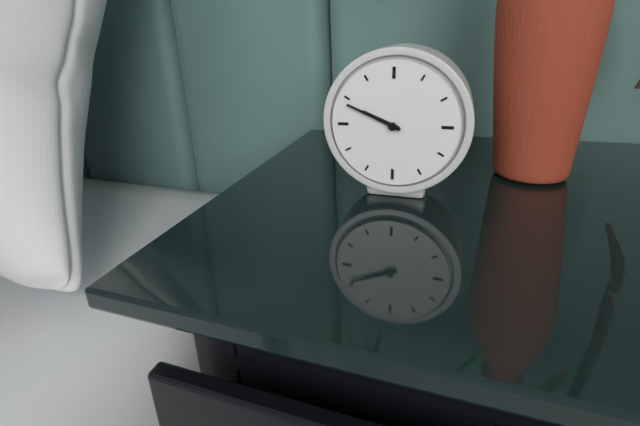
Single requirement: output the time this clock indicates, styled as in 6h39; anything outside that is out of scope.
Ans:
9h49
